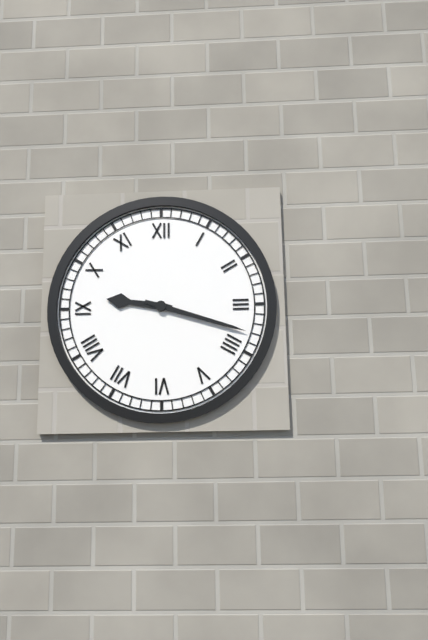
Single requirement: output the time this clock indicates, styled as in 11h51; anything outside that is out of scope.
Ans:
9h18
